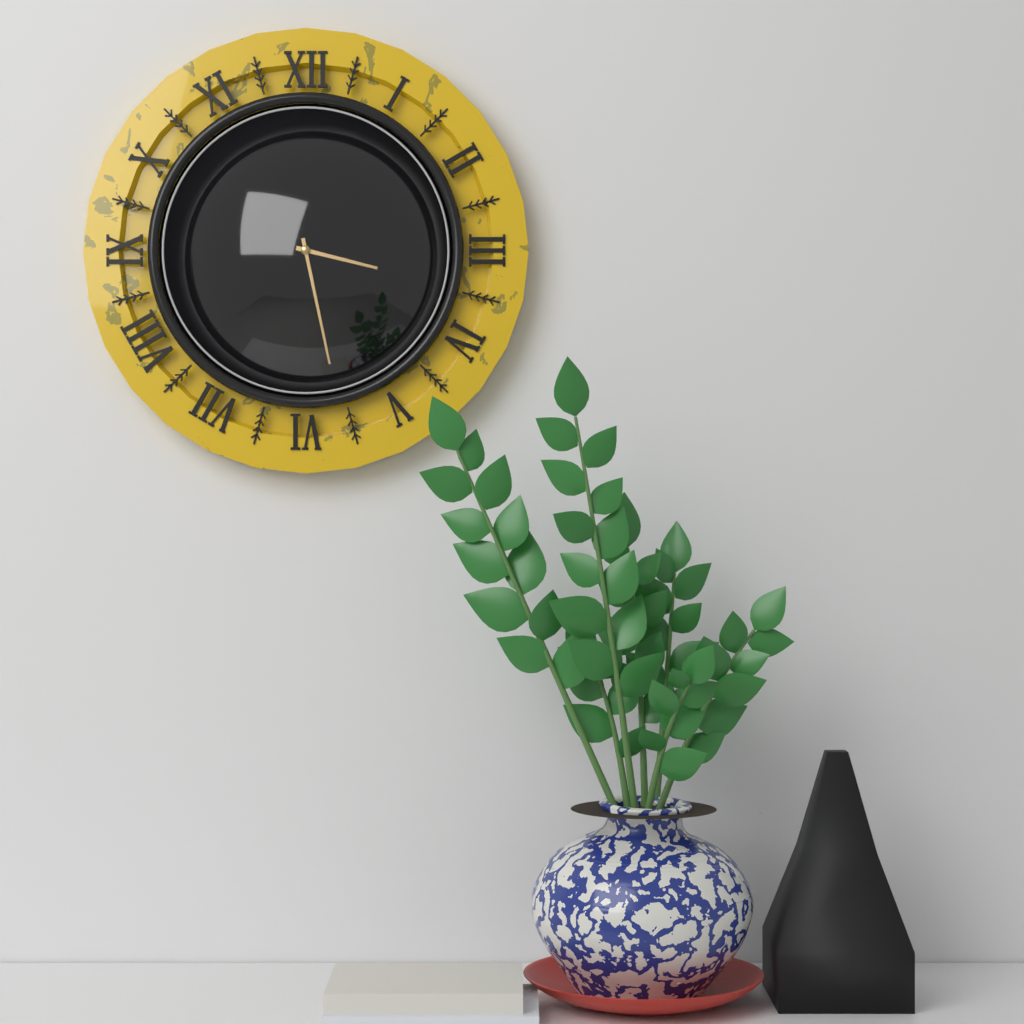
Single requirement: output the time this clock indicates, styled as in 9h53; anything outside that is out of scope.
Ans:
3h28
